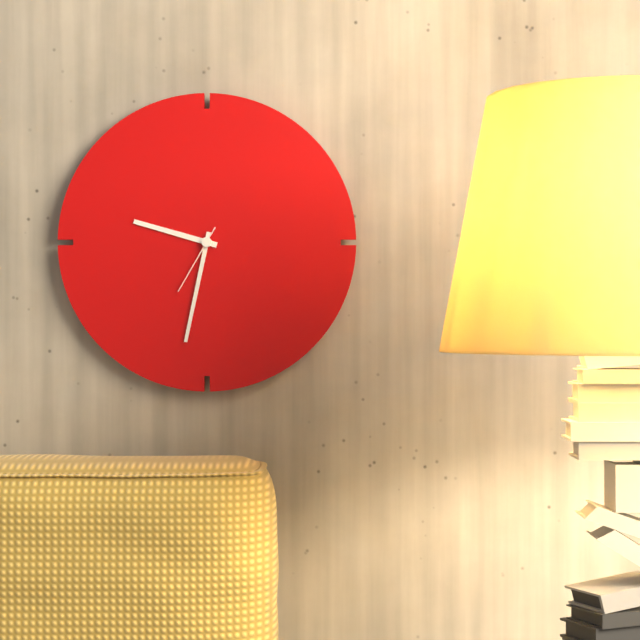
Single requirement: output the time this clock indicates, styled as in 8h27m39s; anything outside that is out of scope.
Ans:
9h32m35s
